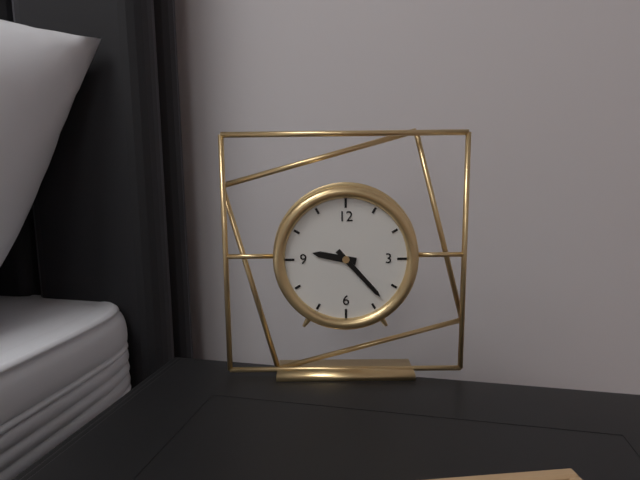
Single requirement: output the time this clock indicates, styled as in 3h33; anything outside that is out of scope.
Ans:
9h23
